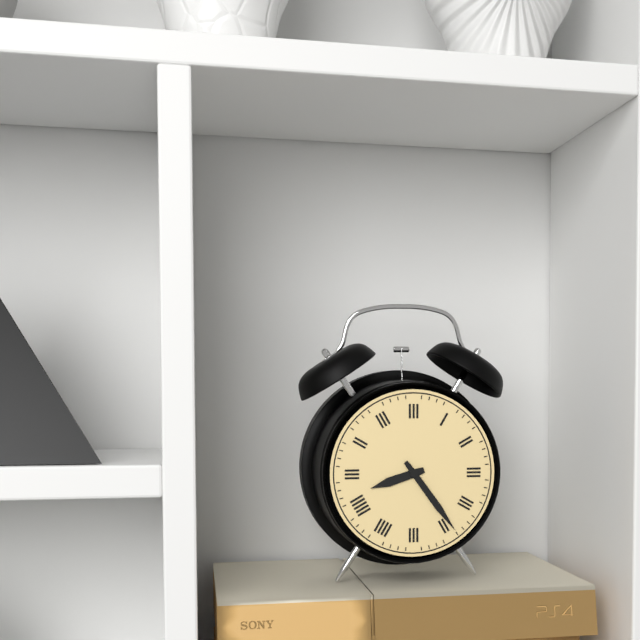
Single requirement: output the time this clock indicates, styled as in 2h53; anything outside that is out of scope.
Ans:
8h24
